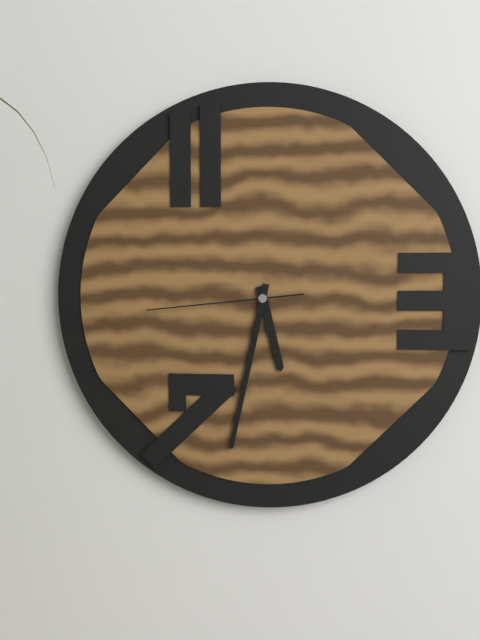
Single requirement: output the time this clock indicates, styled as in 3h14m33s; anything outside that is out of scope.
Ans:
5h32m44s
